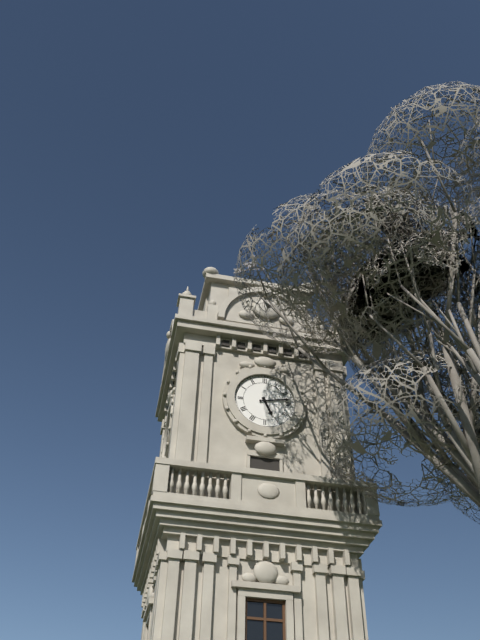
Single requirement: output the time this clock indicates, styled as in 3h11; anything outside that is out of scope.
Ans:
5h13
